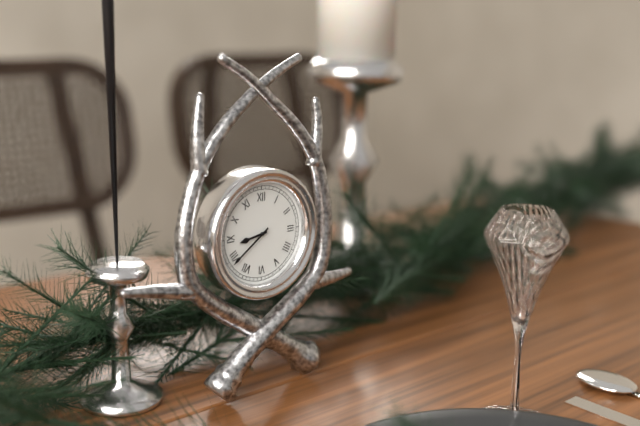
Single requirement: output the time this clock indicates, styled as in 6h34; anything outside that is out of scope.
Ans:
8h39
